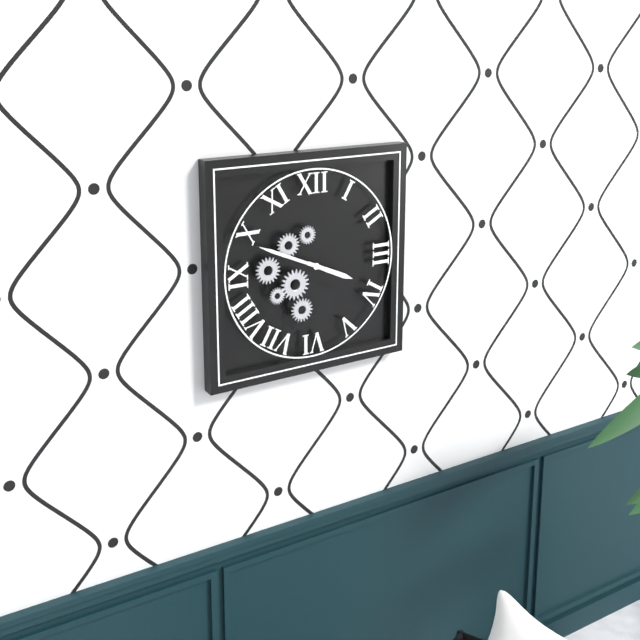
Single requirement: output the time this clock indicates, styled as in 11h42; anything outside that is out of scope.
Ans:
3h49
